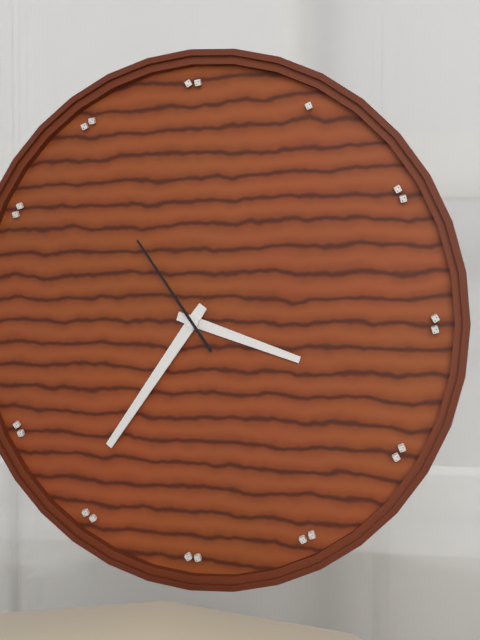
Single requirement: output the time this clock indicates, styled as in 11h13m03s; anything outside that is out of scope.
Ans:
3h36m54s
